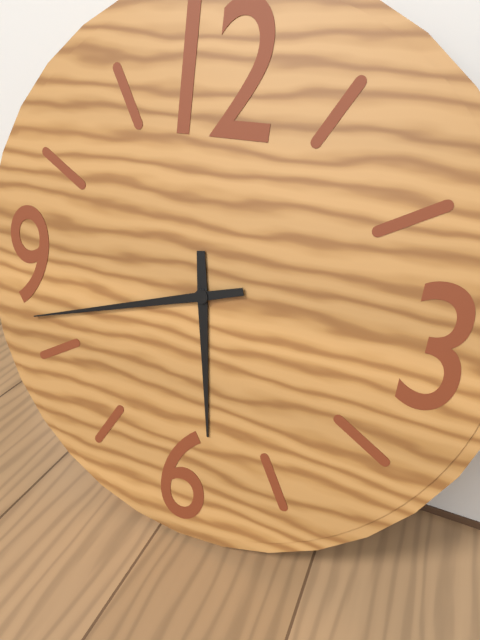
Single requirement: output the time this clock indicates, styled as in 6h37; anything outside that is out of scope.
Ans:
5h42
